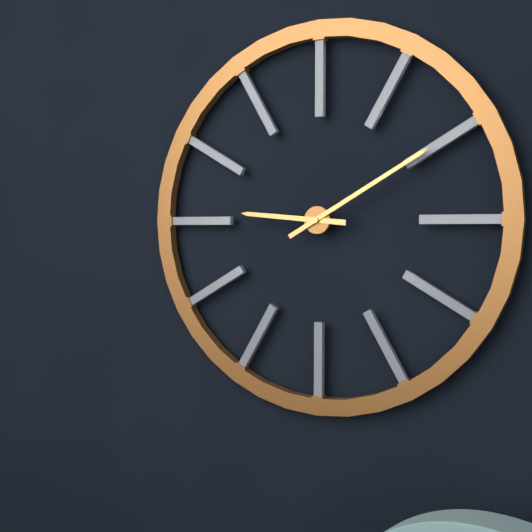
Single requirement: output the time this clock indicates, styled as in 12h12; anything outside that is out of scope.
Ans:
9h10
